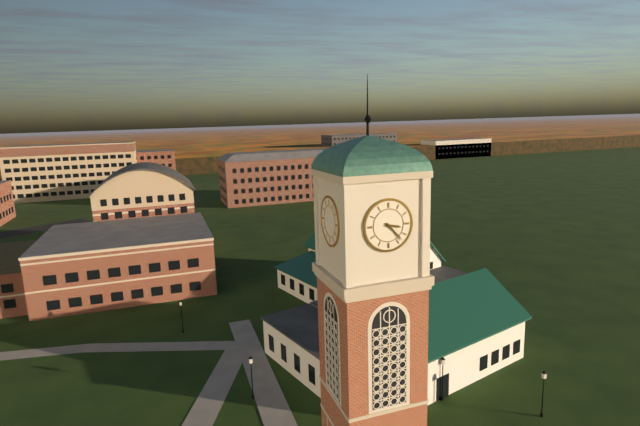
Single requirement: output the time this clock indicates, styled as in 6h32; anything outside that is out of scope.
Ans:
3h23
